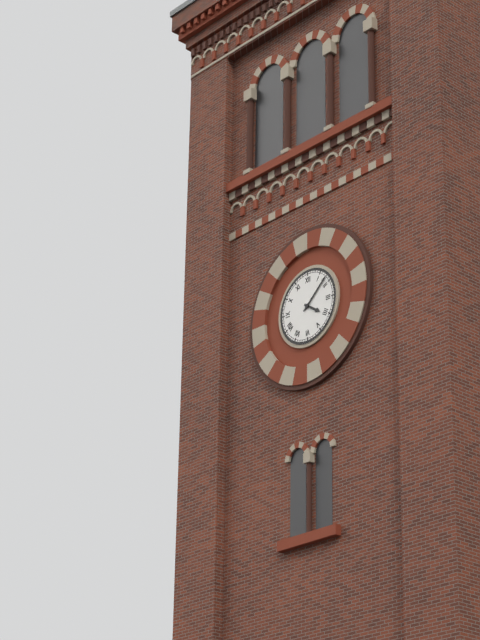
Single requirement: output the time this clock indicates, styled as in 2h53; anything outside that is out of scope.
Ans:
4h08
